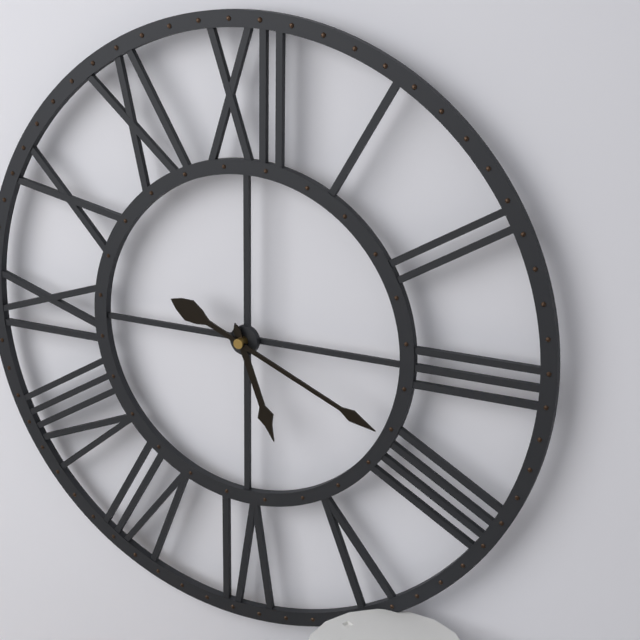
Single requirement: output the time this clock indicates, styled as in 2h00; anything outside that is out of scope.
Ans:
5h19
